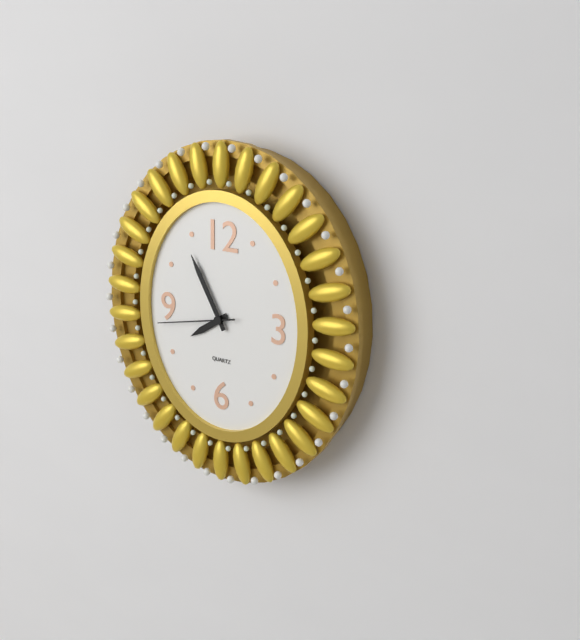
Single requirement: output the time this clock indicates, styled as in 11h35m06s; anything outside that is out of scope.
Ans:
7h55m43s
